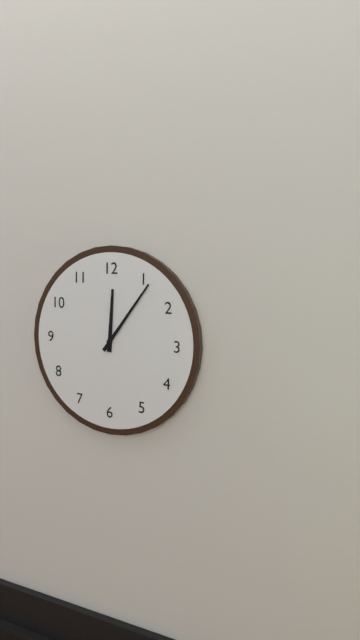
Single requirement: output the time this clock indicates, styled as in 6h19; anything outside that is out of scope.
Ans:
12h06
